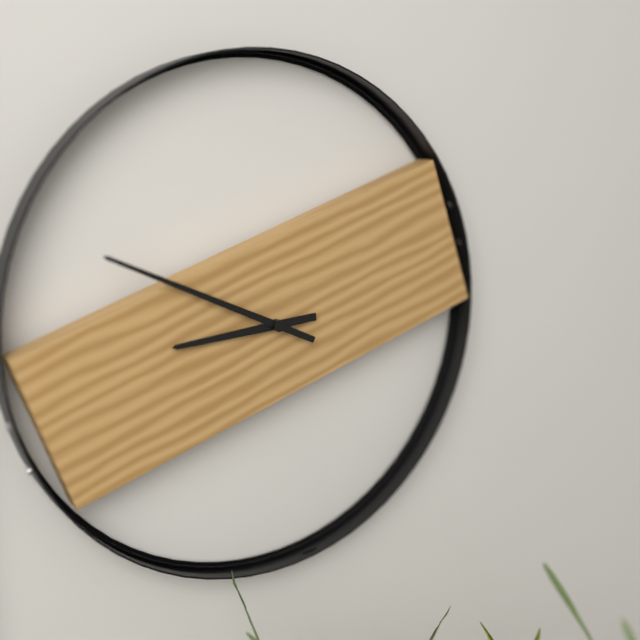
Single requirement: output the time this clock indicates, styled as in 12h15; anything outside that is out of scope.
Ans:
8h49
